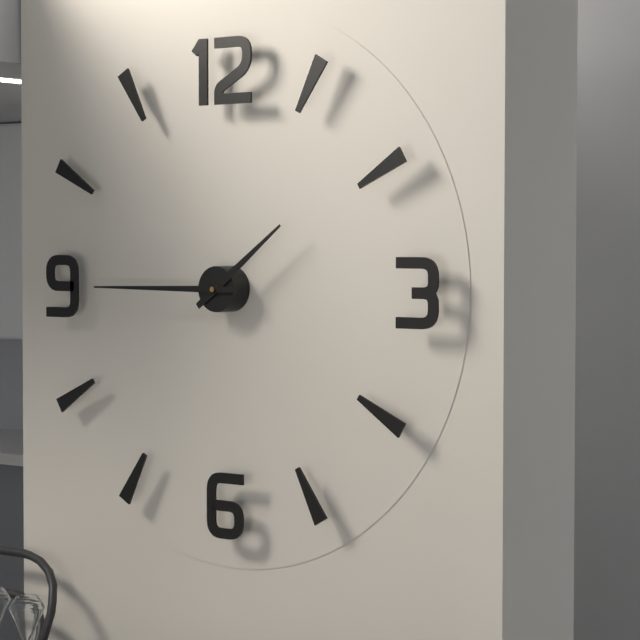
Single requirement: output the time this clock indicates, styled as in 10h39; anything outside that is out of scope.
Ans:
1h45
